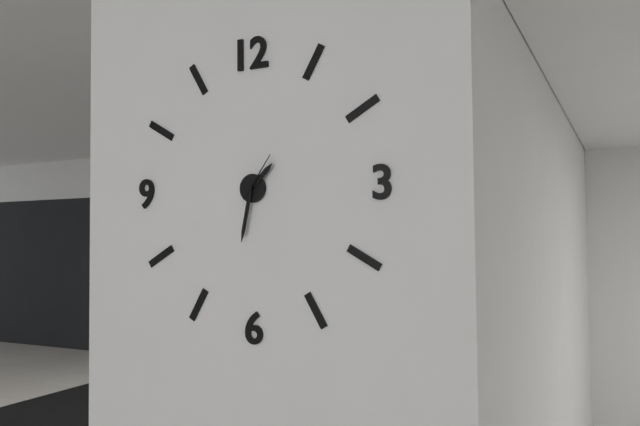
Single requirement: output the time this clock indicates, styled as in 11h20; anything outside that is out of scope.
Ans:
1h32
